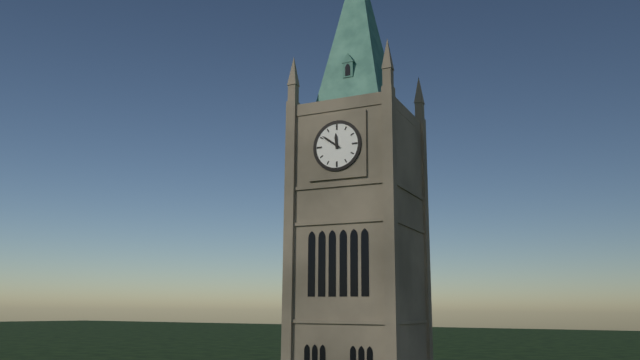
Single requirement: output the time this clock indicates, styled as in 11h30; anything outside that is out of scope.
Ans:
11h51
